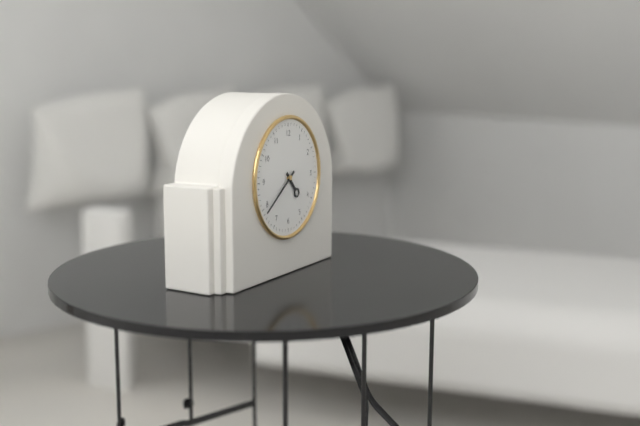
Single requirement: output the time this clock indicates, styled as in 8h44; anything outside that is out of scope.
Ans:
4h39
